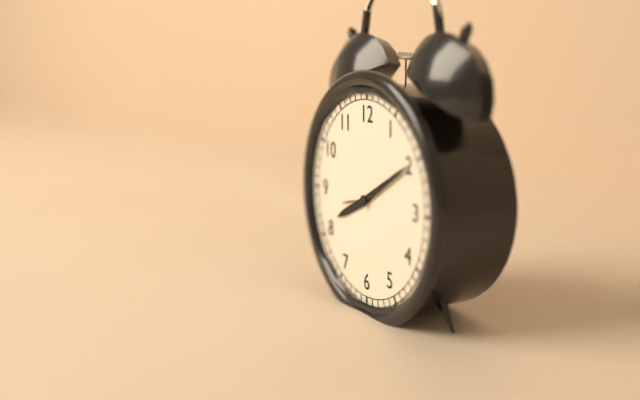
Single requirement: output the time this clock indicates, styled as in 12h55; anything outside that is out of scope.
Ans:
8h10
